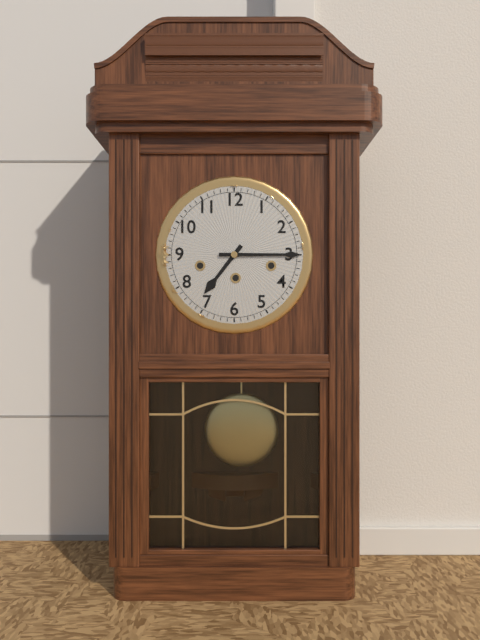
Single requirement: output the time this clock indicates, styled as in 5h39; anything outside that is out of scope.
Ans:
7h15
